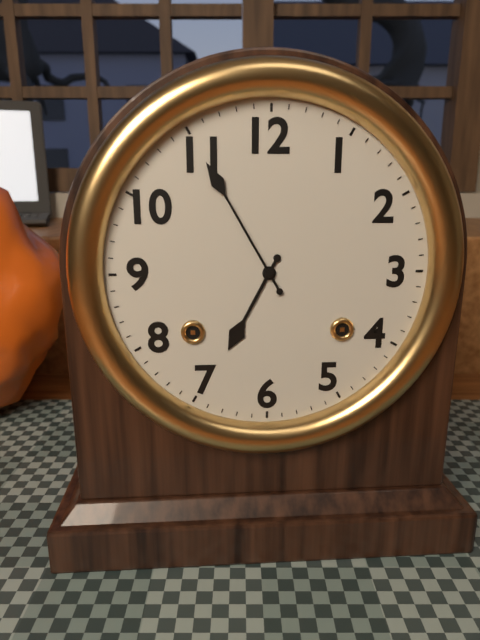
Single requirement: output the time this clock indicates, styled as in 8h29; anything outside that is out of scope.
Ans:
6h55
